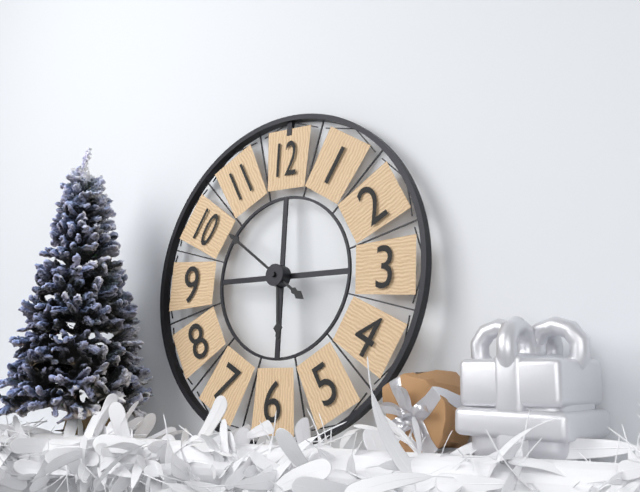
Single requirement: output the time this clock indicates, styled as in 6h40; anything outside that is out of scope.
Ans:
5h51
